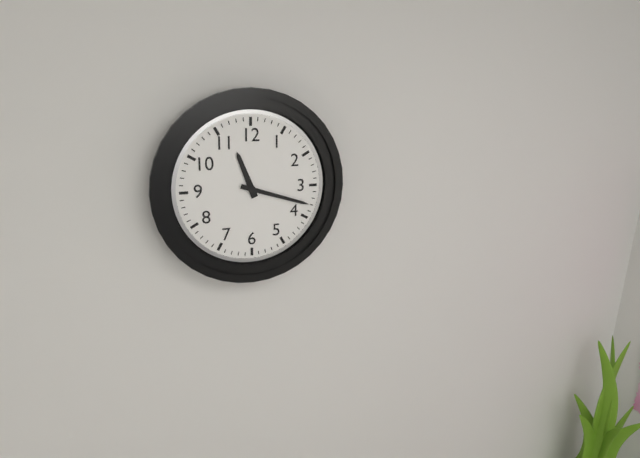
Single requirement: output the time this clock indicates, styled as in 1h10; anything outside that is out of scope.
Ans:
11h18
